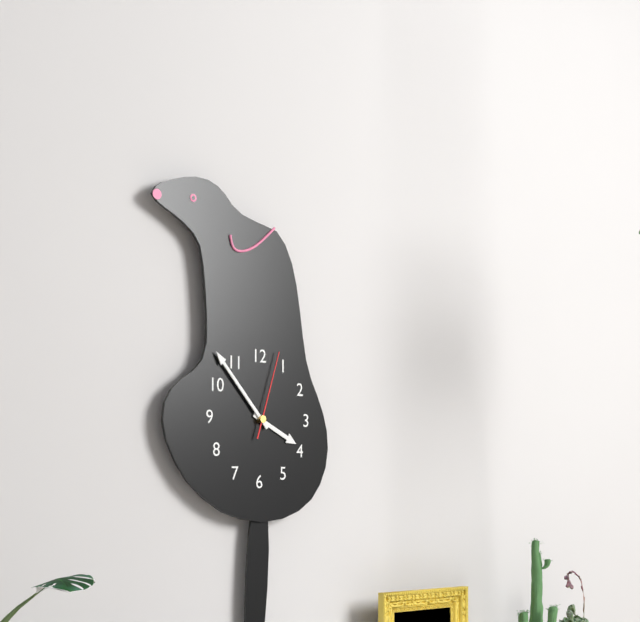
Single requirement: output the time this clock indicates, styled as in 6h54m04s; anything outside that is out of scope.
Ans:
3h53m03s
